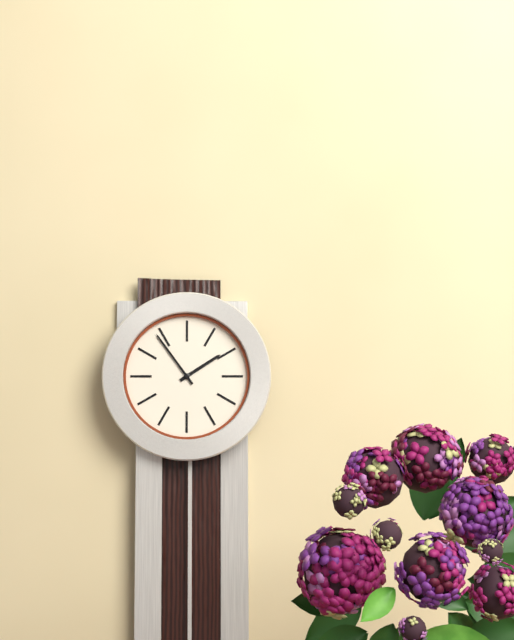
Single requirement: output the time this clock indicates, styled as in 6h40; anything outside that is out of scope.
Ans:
1h54
